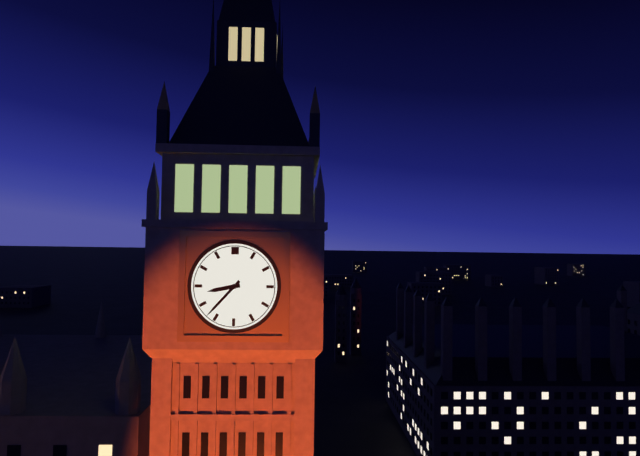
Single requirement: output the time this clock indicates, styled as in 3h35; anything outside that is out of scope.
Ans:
8h37
